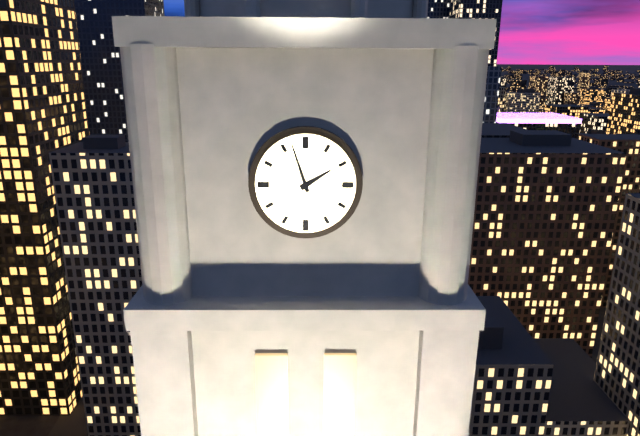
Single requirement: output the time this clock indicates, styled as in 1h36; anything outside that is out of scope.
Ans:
1h57
